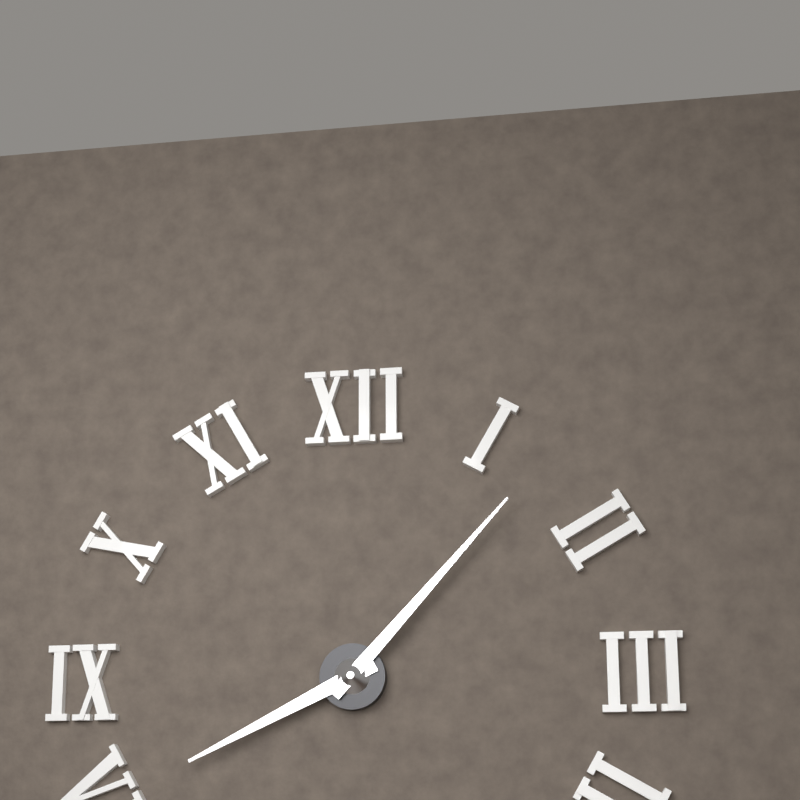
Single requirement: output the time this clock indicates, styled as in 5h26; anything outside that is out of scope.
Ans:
8h07
